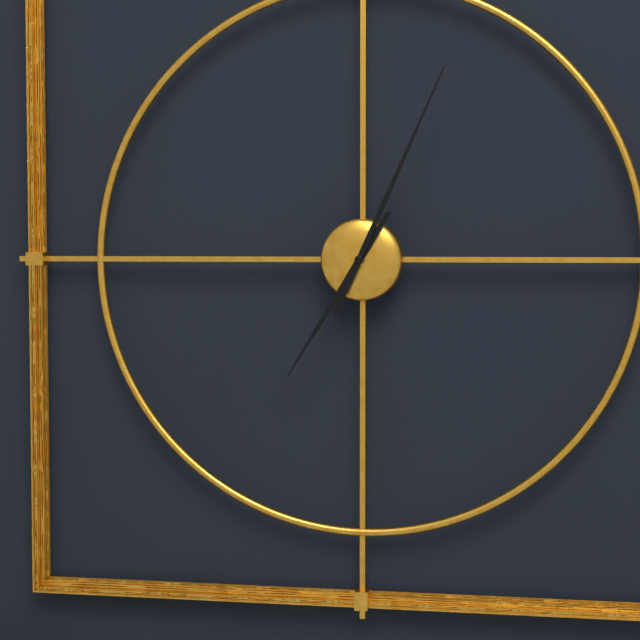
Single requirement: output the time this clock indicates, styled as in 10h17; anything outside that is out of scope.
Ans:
7h04
